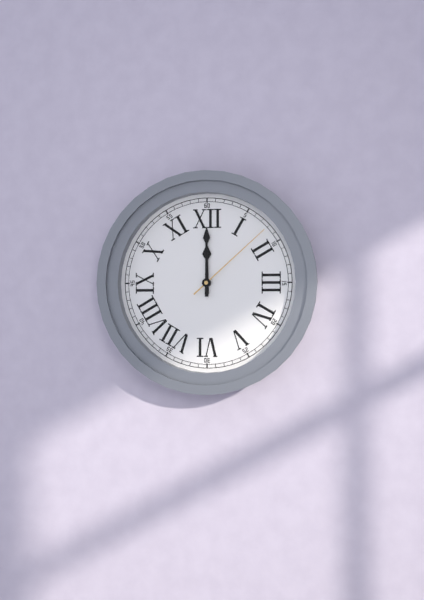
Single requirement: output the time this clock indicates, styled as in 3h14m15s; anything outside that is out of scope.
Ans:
12h00m08s
